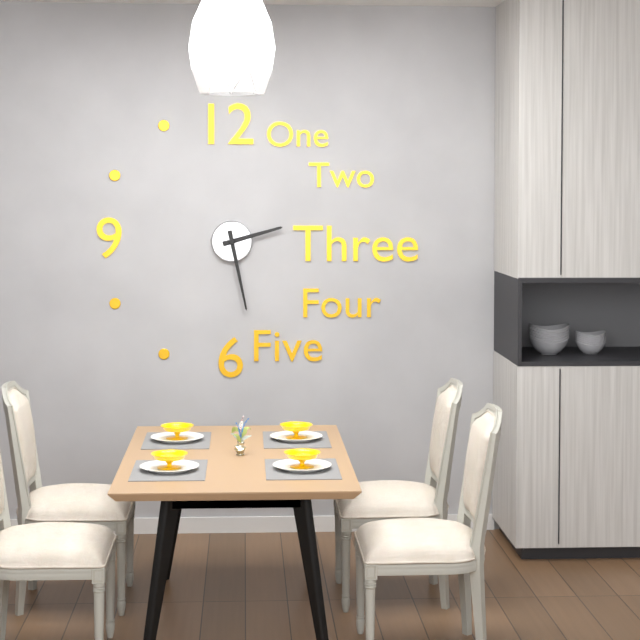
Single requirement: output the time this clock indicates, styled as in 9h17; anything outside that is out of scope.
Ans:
2h28
